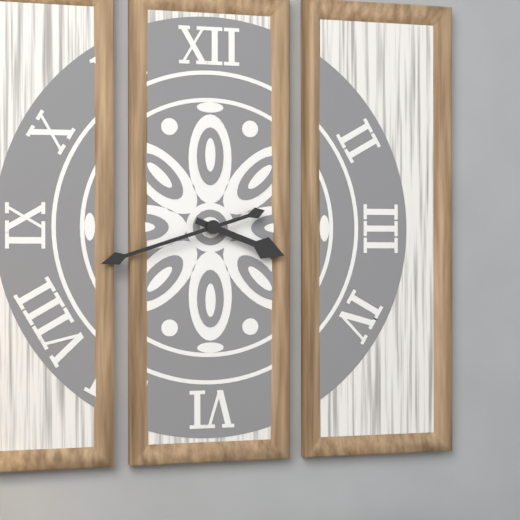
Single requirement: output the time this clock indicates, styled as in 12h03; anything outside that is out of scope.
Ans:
3h42
